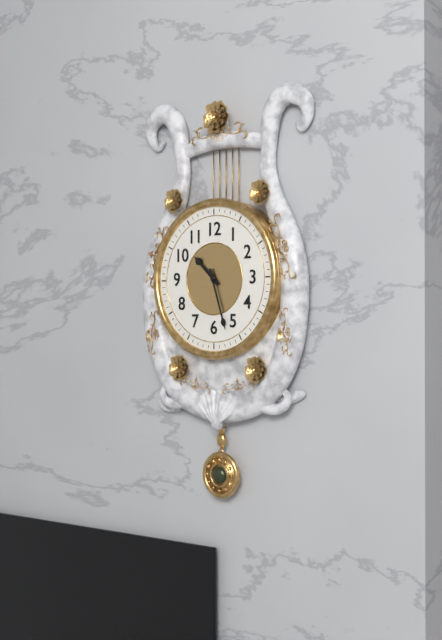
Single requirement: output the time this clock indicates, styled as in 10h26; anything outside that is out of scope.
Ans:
10h27
